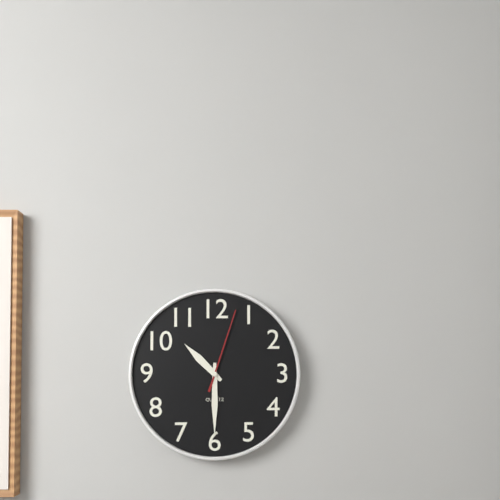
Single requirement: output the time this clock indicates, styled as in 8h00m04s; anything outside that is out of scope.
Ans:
10h30m03s
